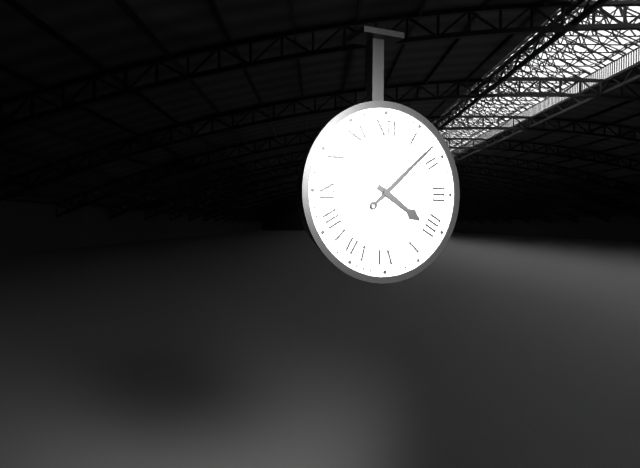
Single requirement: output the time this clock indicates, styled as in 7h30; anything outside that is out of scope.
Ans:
4h08
